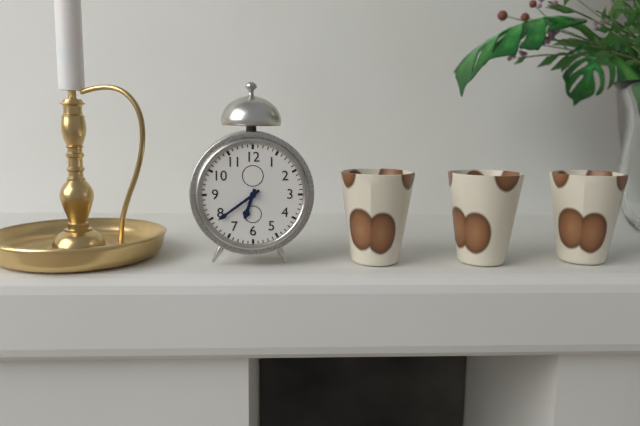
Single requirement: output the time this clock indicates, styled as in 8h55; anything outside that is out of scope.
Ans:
6h39
